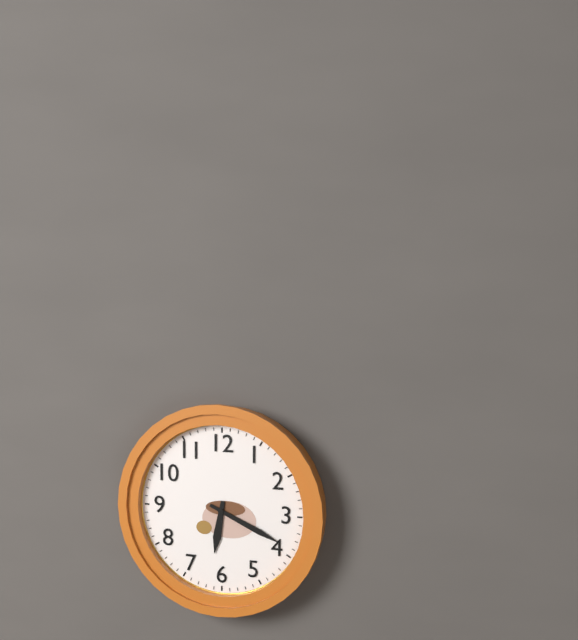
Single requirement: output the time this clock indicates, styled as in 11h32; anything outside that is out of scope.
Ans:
6h19
